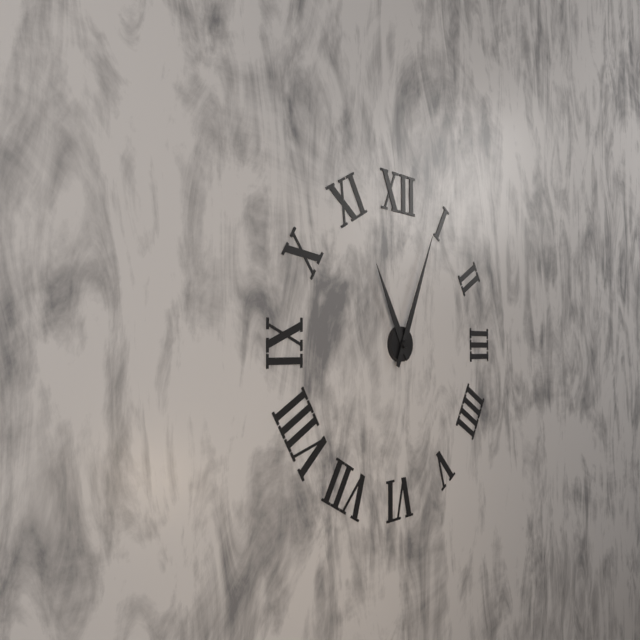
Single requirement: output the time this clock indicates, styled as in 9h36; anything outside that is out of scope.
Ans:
11h04
